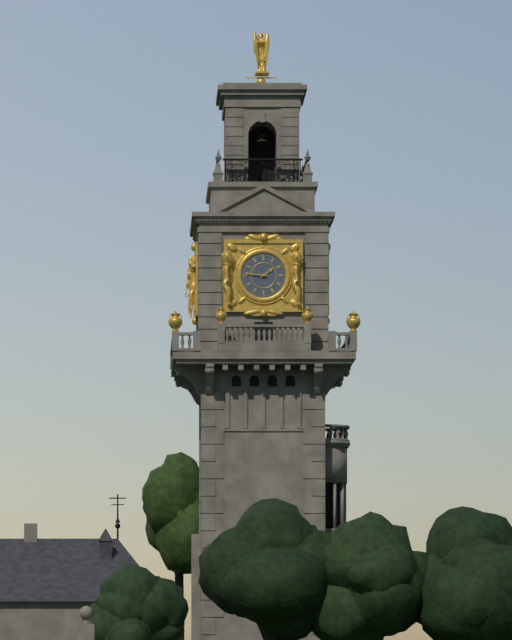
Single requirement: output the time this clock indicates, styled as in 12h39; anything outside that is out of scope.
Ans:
1h46
